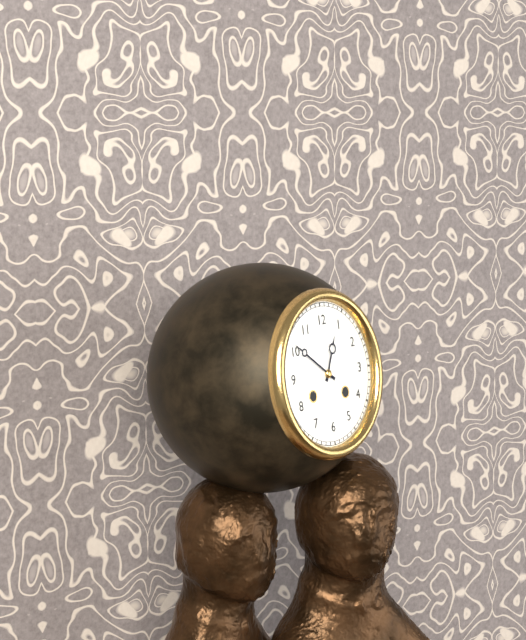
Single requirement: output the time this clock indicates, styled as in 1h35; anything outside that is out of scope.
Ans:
12h51
